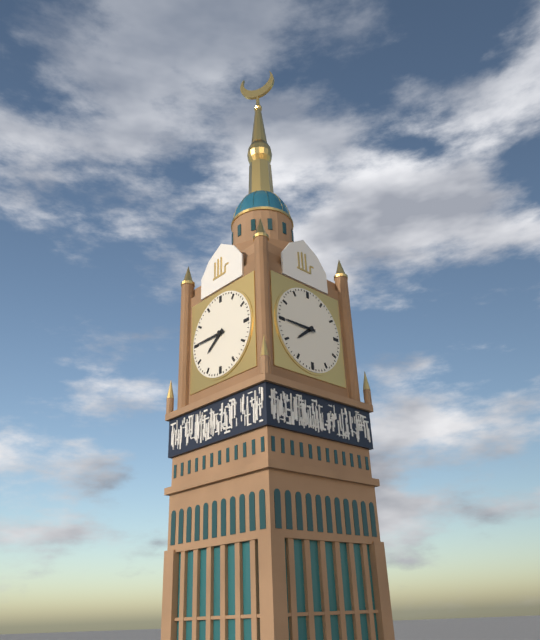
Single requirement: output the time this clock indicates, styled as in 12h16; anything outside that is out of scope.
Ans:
7h45
